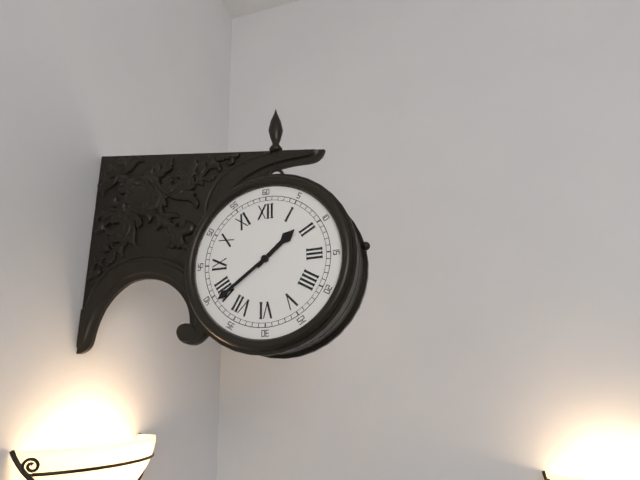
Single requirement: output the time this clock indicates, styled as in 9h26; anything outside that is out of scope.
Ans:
1h39
